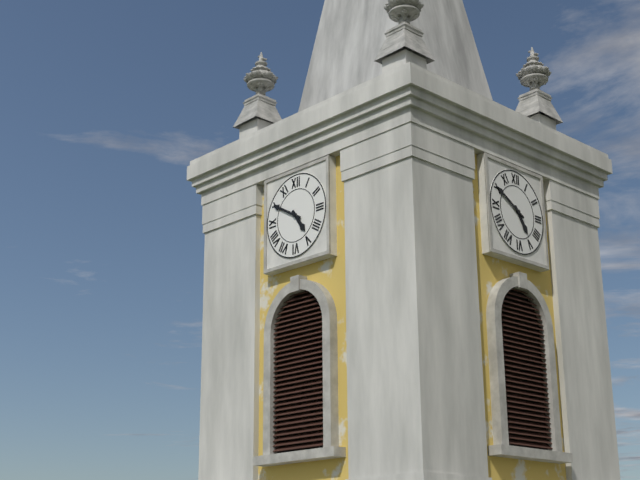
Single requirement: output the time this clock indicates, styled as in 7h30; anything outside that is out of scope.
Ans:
4h50
